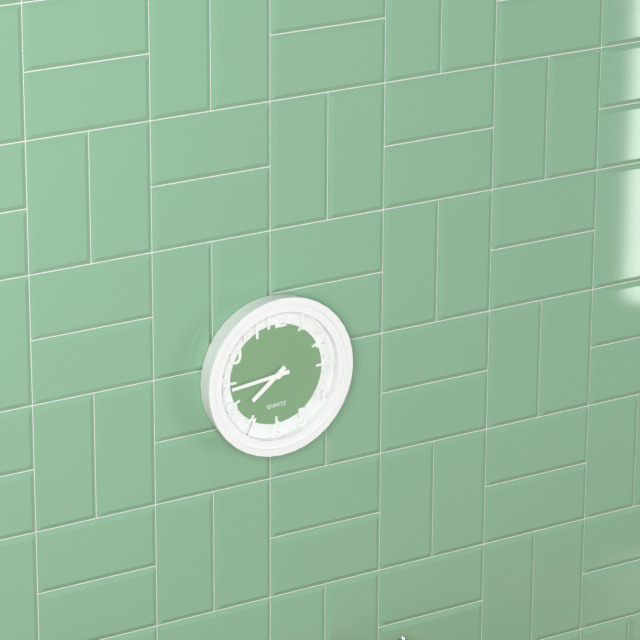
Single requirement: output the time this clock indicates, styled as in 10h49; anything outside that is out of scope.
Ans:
7h44
